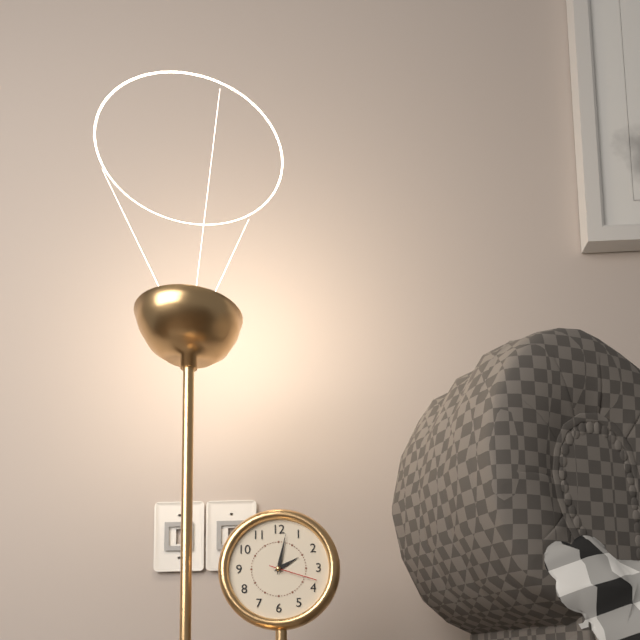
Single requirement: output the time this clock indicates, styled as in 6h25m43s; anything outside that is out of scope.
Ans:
2h02m18s
